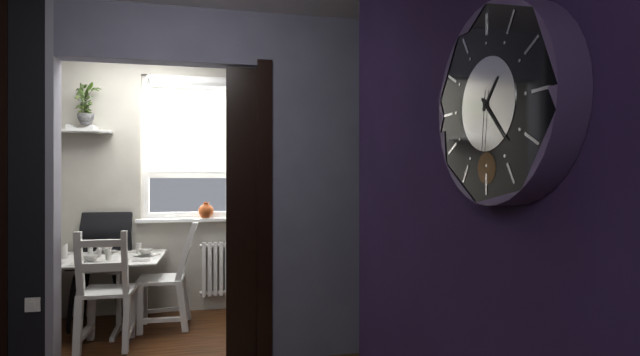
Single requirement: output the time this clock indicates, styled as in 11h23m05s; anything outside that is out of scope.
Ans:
1h23m31s
